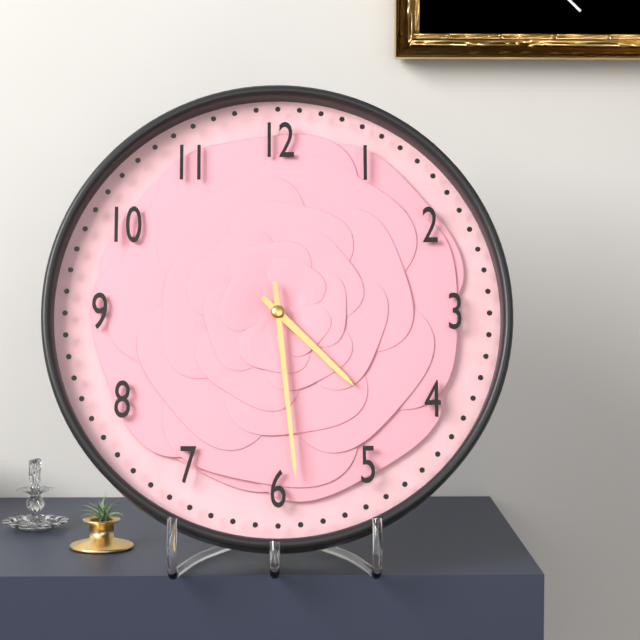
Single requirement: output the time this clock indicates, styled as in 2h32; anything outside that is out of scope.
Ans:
4h29
